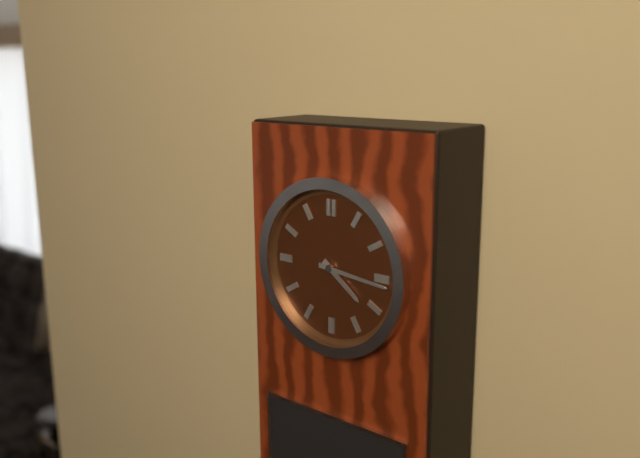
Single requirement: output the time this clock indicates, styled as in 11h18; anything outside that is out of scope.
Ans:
4h16
